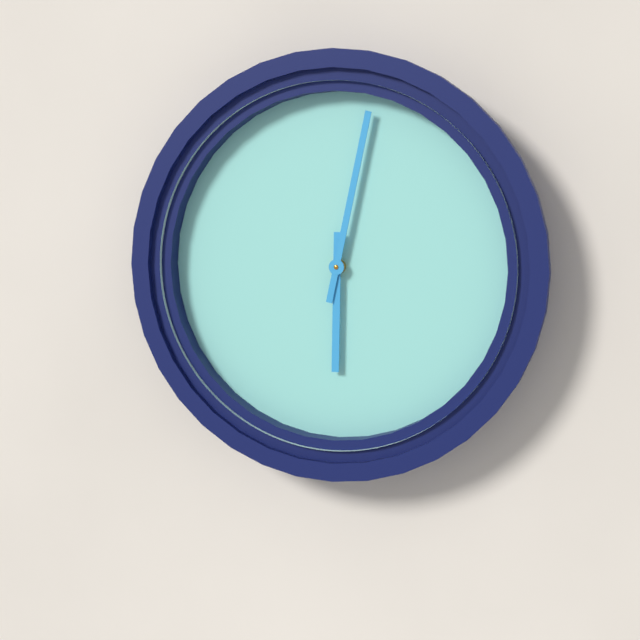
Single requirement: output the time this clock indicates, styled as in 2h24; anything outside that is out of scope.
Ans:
6h02
